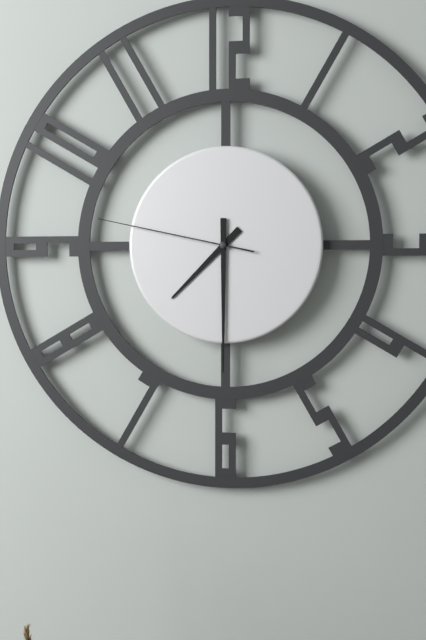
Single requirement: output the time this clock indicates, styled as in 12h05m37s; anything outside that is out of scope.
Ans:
7h30m47s
